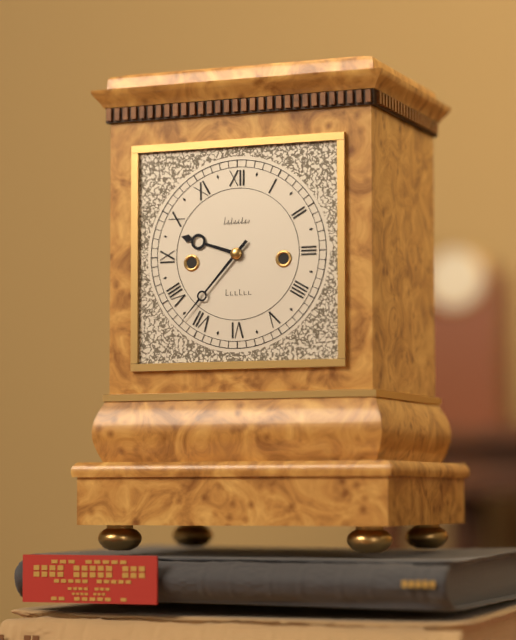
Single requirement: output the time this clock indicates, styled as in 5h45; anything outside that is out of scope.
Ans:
9h37
